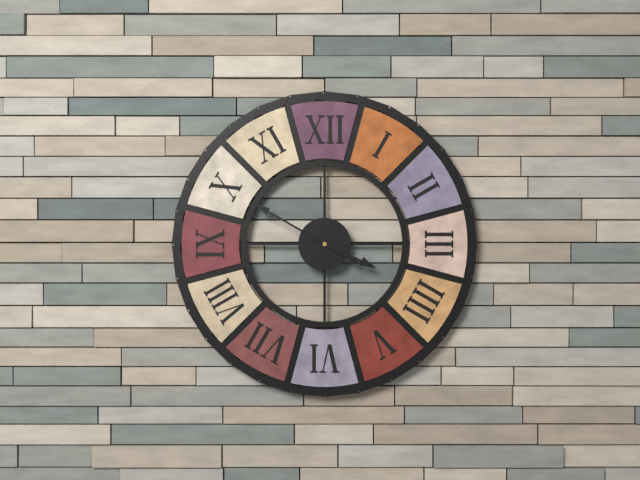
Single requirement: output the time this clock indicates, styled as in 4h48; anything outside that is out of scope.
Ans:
3h50
